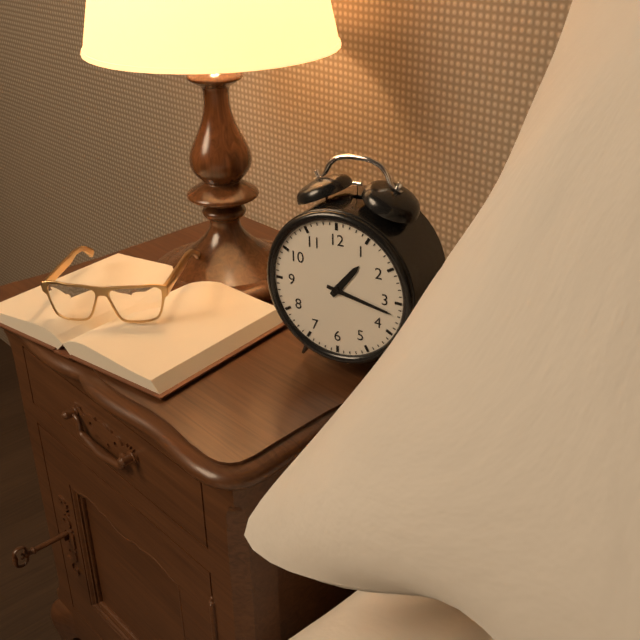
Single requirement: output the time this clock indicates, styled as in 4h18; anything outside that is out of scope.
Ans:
1h17
